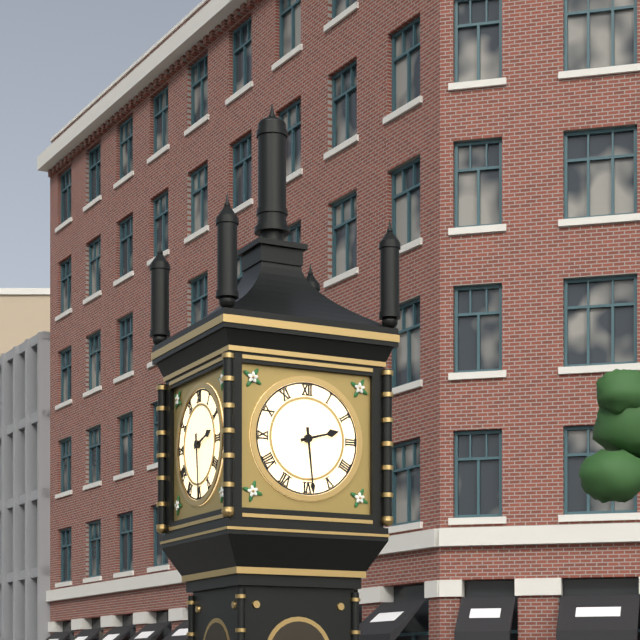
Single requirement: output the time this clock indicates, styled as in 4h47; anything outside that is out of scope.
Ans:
2h29
